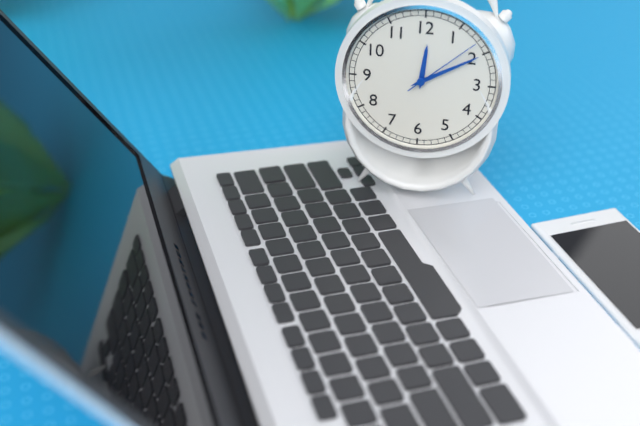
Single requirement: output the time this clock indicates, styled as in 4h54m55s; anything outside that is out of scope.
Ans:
12h10m08s
